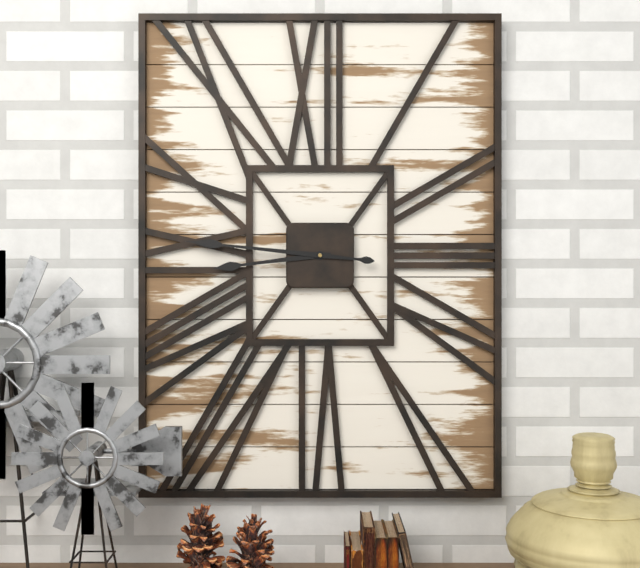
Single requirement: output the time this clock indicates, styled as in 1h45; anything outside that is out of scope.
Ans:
8h46
